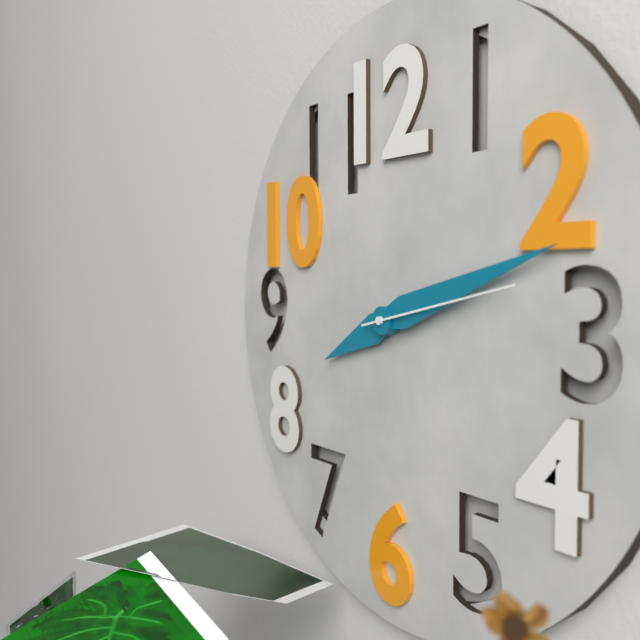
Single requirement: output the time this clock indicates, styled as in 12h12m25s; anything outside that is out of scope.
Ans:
8h12m13s
